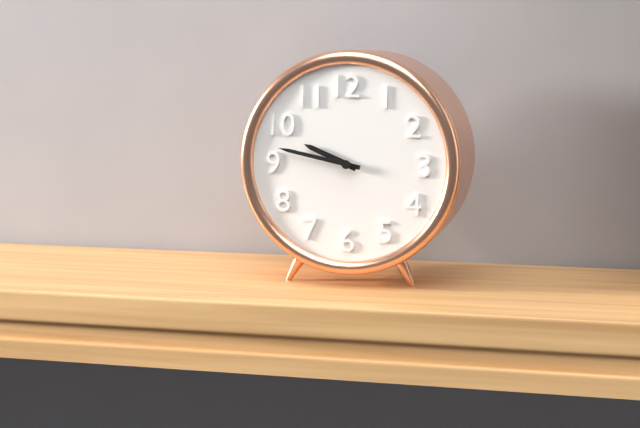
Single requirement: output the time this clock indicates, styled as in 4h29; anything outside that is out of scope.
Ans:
9h47
